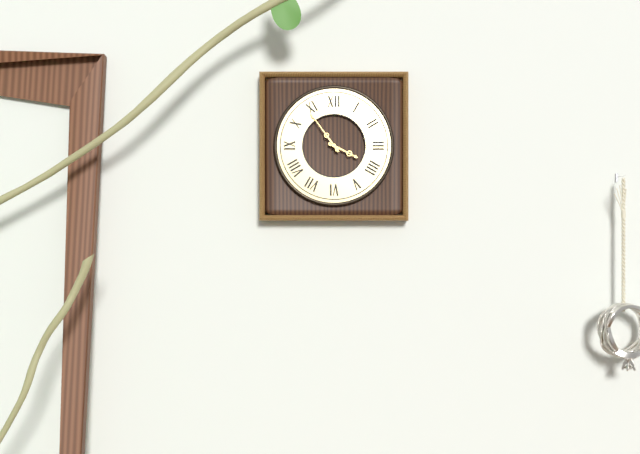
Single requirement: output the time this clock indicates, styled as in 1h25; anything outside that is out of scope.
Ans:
3h54
